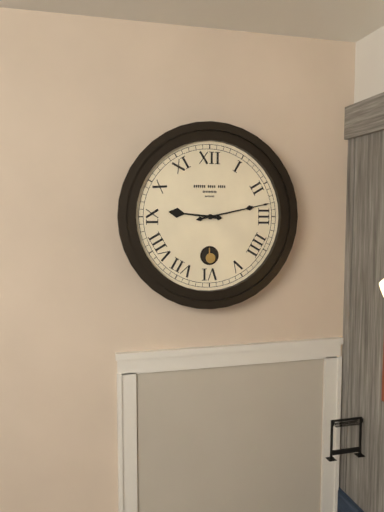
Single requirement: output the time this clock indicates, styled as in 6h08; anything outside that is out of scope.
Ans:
9h13
